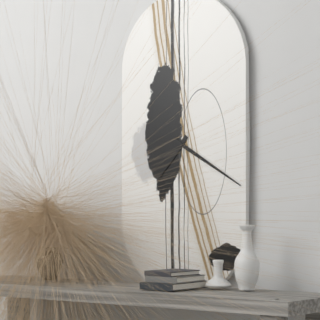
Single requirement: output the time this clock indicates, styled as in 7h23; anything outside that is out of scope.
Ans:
7h20
